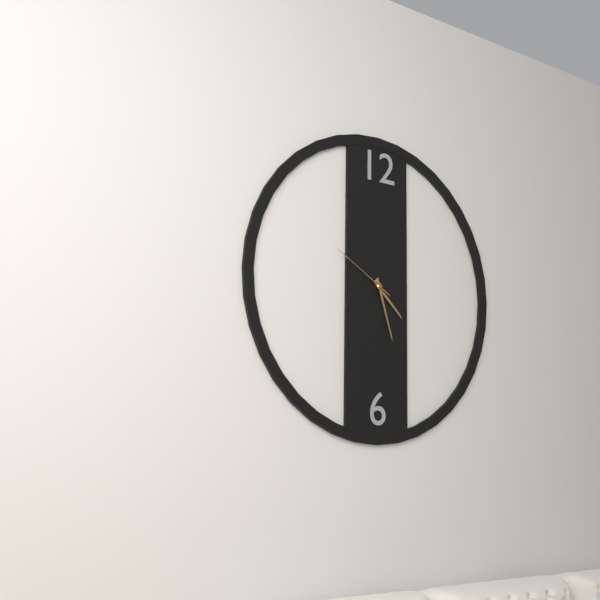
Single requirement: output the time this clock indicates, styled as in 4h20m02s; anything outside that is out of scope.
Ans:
4h27m50s
